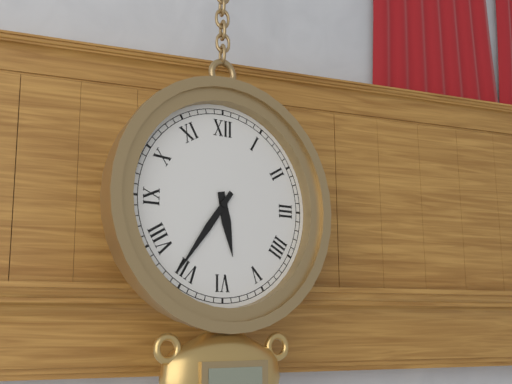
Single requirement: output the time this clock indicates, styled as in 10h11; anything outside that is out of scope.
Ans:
5h36
